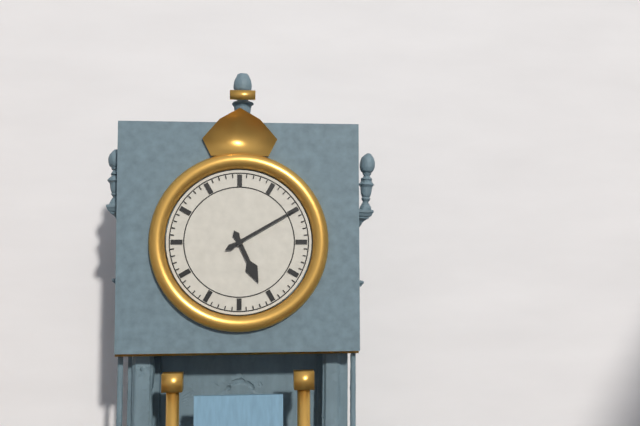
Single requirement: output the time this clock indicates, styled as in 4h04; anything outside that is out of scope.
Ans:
5h10
